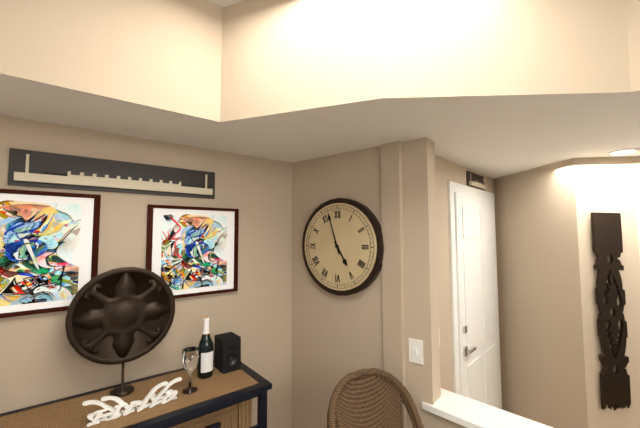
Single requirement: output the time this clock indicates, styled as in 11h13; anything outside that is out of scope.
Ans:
4h57
